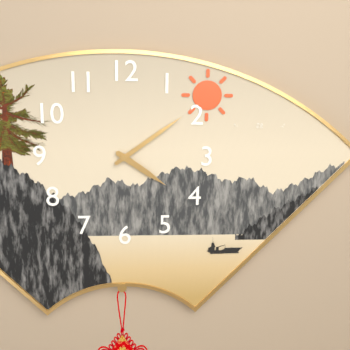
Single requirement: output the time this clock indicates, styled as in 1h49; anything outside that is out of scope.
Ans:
4h09
